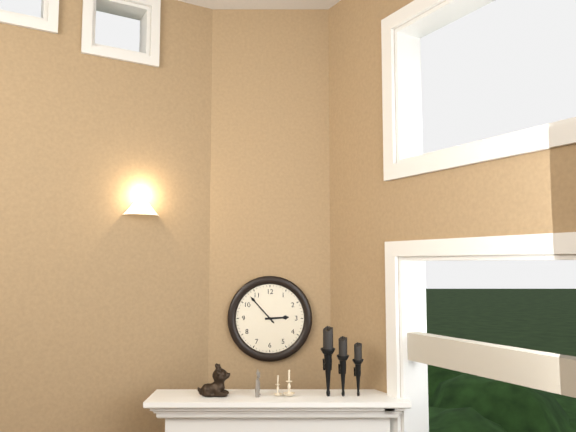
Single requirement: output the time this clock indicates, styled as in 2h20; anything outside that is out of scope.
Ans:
2h53
